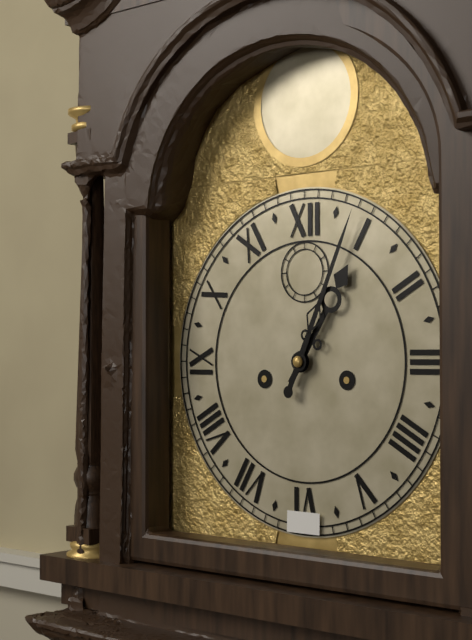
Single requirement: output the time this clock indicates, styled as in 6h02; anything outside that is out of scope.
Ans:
1h04
